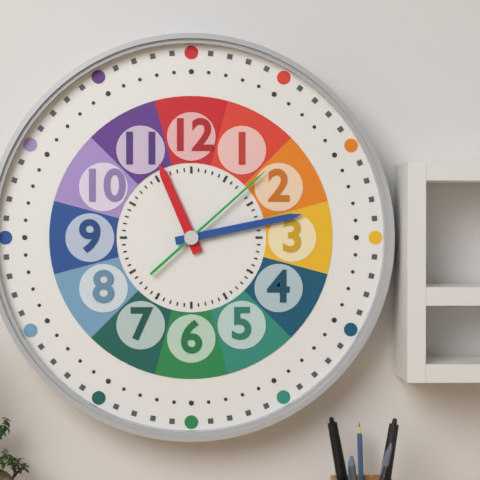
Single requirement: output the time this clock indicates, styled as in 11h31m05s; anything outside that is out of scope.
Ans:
11h13m08s
